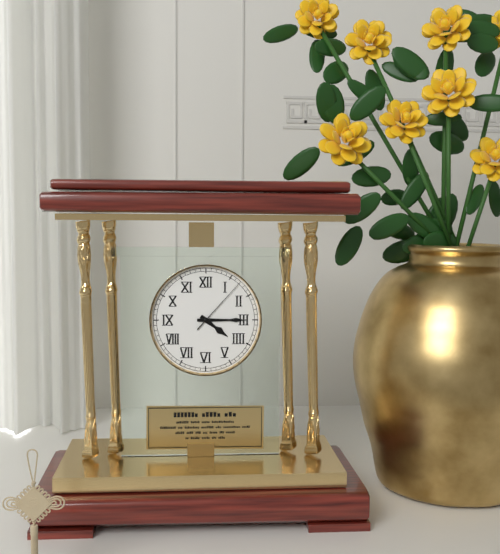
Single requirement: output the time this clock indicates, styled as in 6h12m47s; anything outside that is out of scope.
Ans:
4h15m07s
